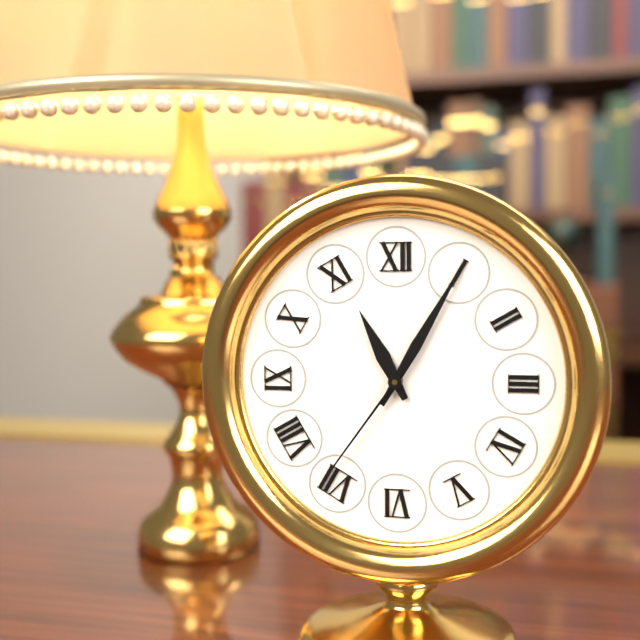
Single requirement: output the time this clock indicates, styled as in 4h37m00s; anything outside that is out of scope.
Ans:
11h05m36s
